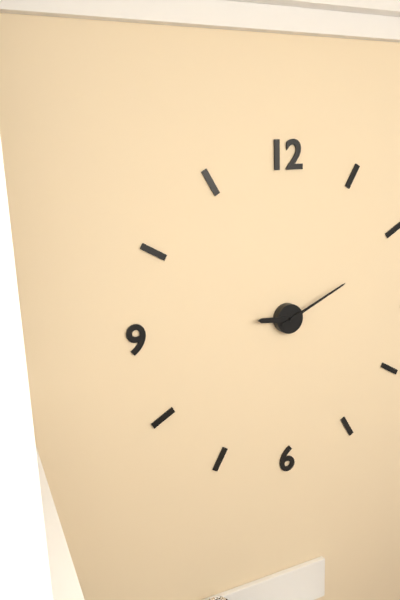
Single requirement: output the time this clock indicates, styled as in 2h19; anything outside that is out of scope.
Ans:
9h11
